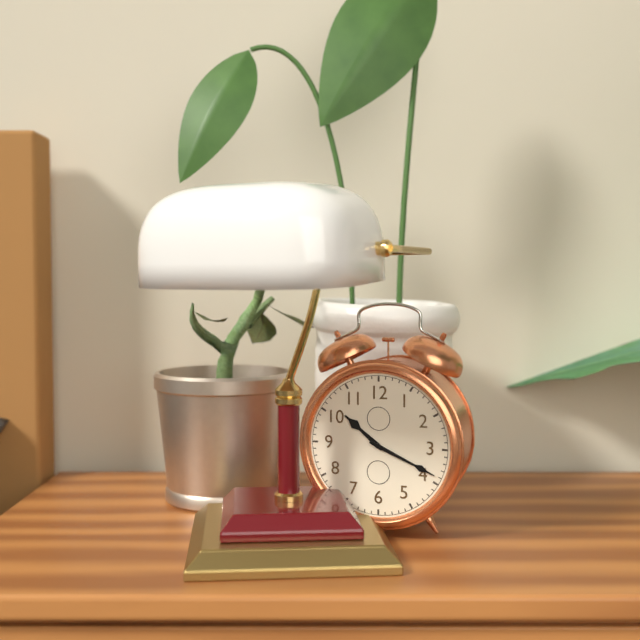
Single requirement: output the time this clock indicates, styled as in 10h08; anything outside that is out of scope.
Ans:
10h19
